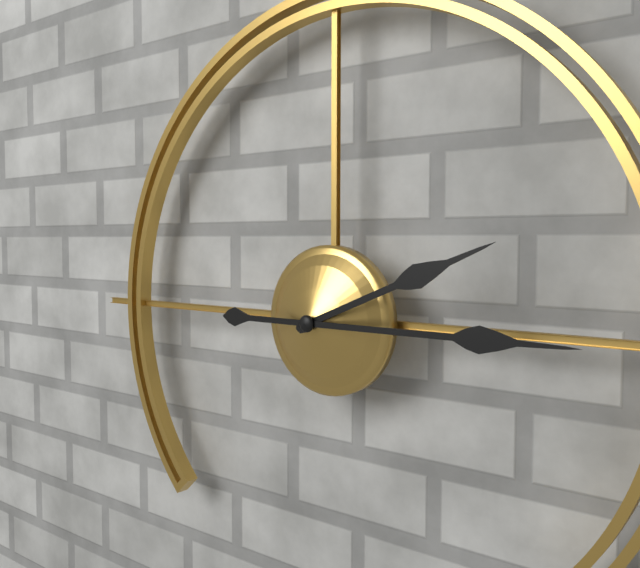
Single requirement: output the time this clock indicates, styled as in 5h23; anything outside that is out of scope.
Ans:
2h15
